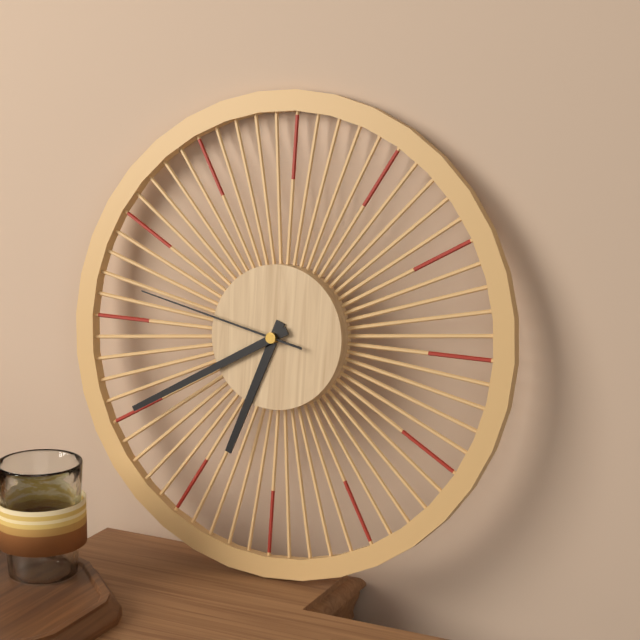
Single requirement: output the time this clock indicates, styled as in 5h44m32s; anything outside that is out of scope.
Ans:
6h40m47s
